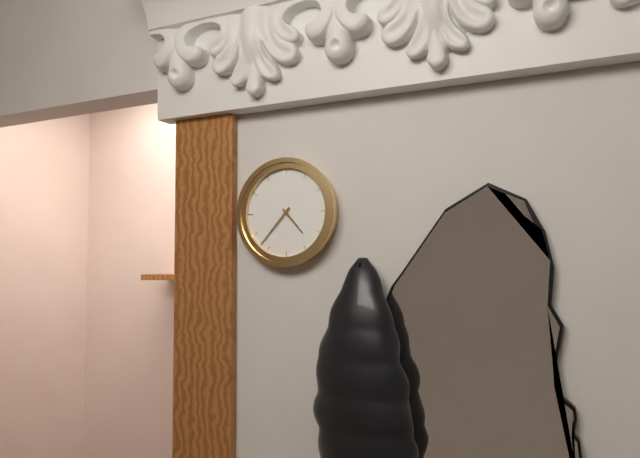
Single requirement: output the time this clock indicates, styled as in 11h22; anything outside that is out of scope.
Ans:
4h37
